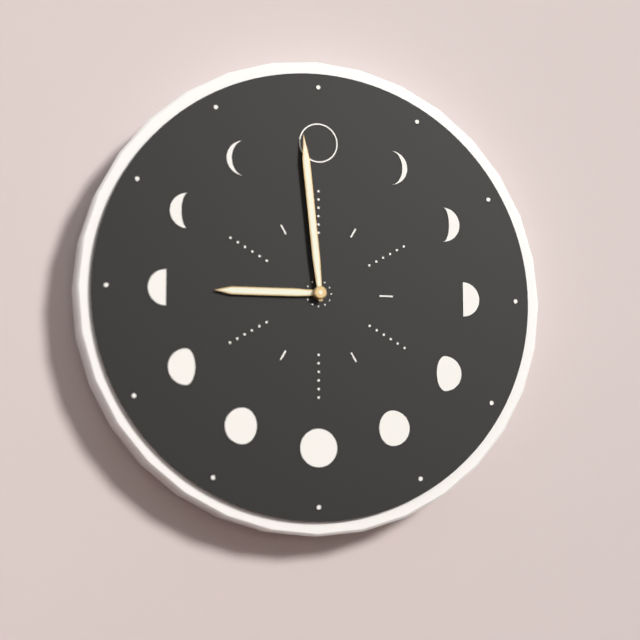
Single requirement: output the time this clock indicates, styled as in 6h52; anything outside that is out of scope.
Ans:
8h59
